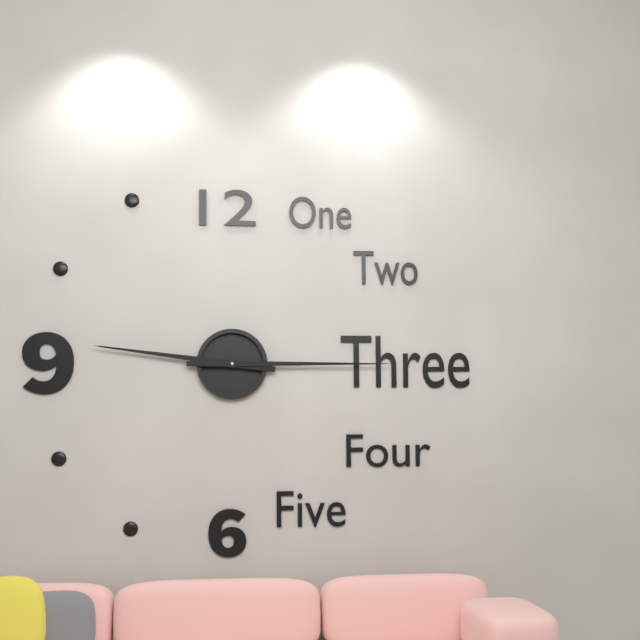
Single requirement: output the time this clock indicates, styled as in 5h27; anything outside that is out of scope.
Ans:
9h15
